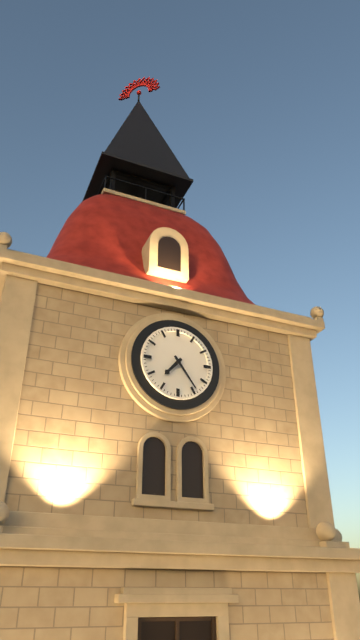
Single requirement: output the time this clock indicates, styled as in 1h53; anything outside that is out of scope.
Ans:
7h24
